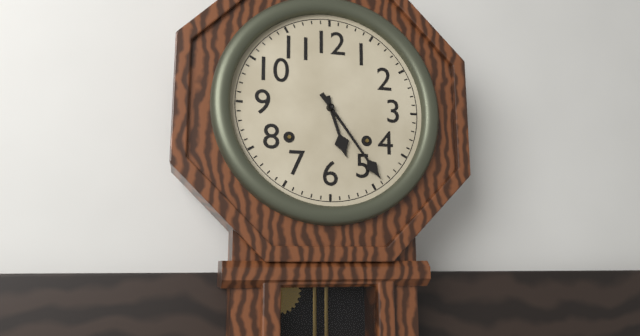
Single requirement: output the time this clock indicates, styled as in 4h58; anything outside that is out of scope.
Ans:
5h24
